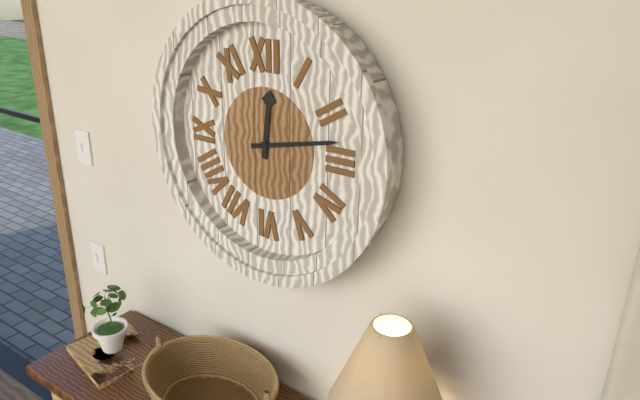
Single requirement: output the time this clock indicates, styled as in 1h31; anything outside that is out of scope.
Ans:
12h13
